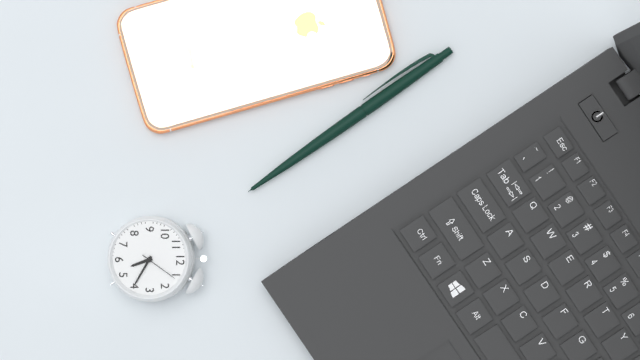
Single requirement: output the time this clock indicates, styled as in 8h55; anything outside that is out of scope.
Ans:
5h20
